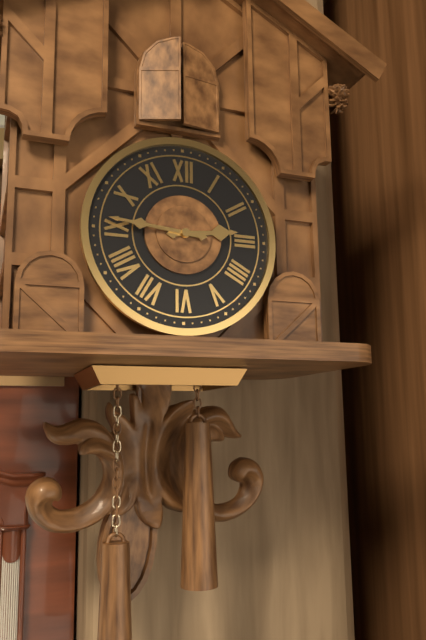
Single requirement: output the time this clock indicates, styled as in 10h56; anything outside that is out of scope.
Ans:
2h46
